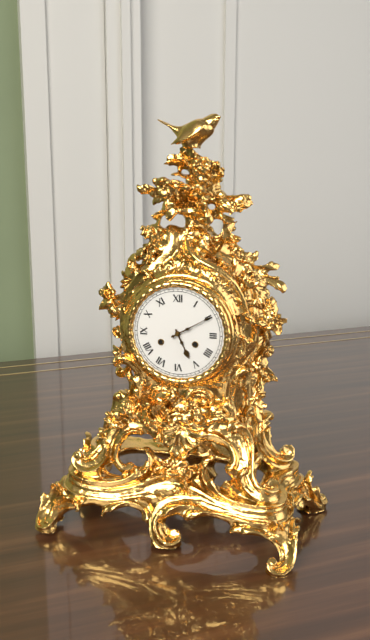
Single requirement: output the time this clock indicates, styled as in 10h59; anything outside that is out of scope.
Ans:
5h10
